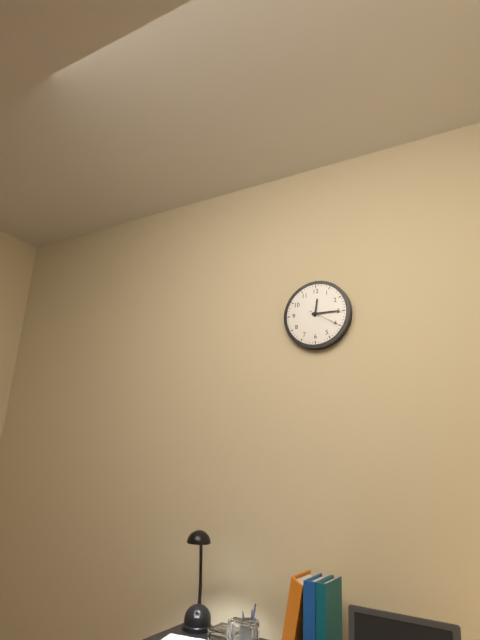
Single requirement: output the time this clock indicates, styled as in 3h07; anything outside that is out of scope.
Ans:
12h15
